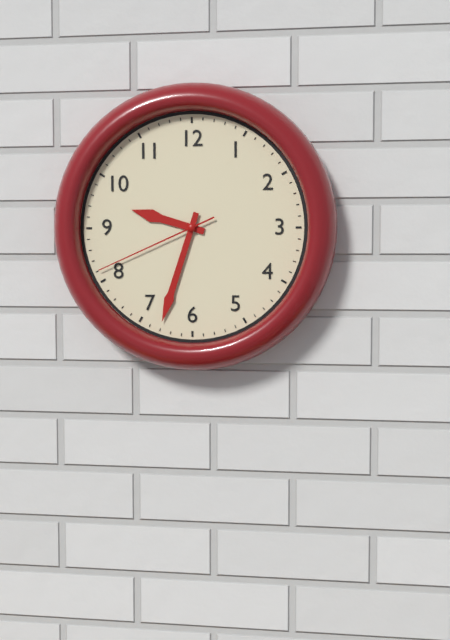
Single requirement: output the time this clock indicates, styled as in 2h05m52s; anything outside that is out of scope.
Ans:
9h33m41s
